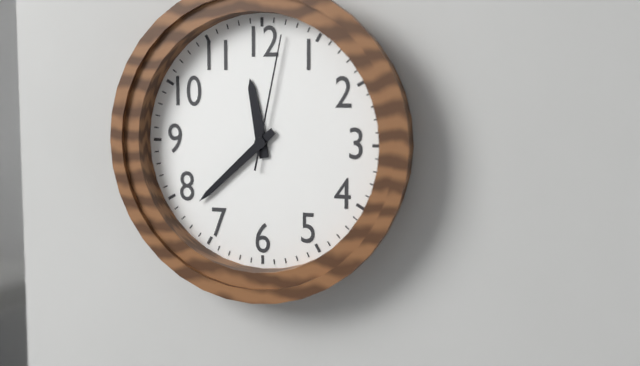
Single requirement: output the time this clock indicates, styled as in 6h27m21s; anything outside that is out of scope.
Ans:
11h38m02s
